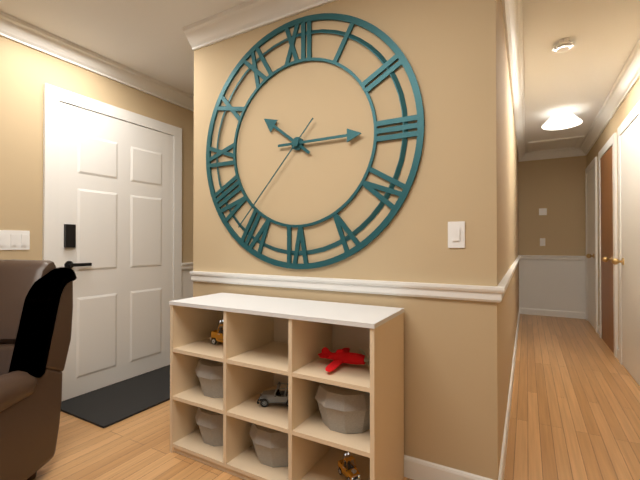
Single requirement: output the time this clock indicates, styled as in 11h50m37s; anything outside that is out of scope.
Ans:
10h15m37s
